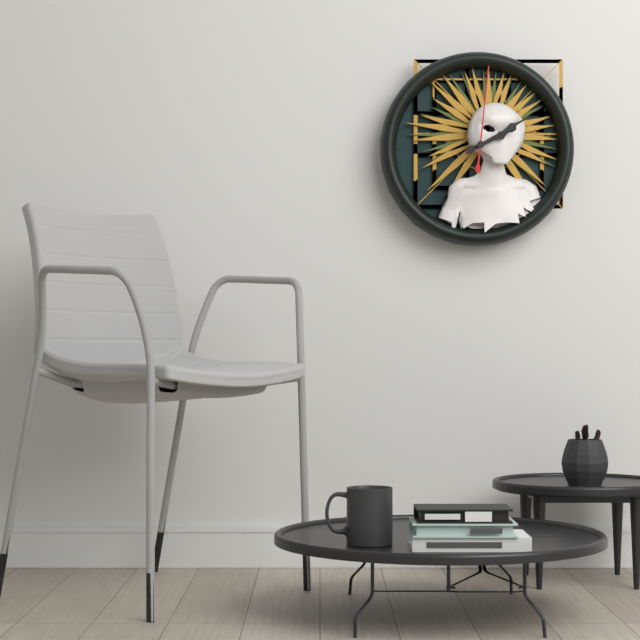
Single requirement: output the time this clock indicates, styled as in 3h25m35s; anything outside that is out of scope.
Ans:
2h10m01s
